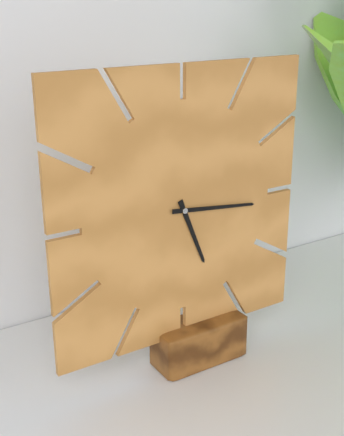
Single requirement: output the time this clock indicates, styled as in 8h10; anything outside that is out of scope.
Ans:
5h16
